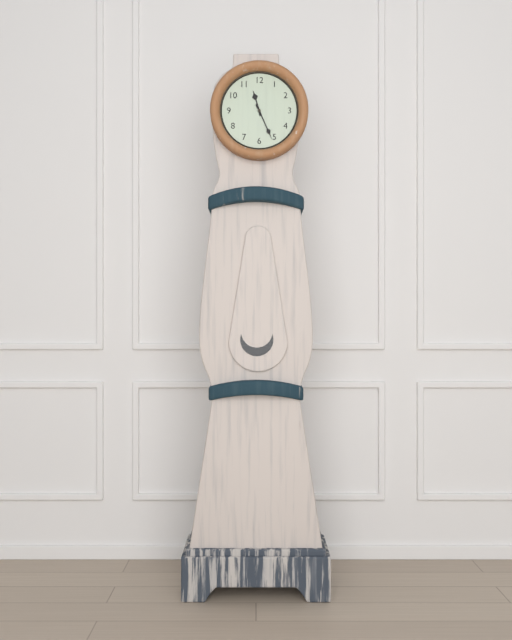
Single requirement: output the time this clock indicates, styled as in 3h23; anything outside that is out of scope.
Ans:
11h26
